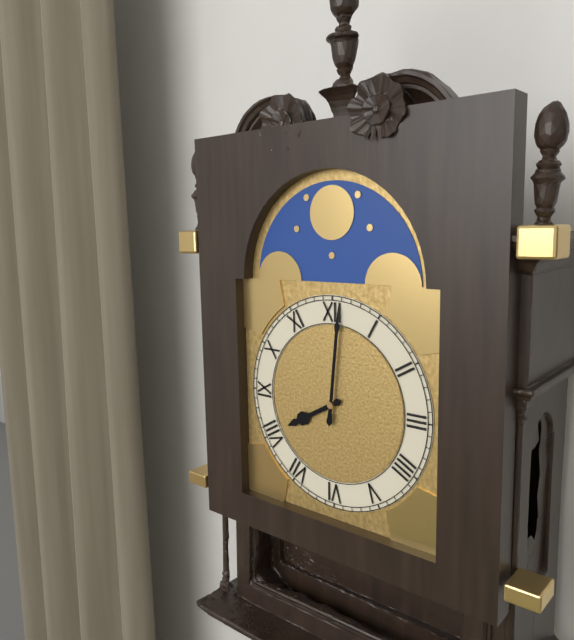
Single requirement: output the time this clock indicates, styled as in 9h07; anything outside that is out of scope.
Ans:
8h01
